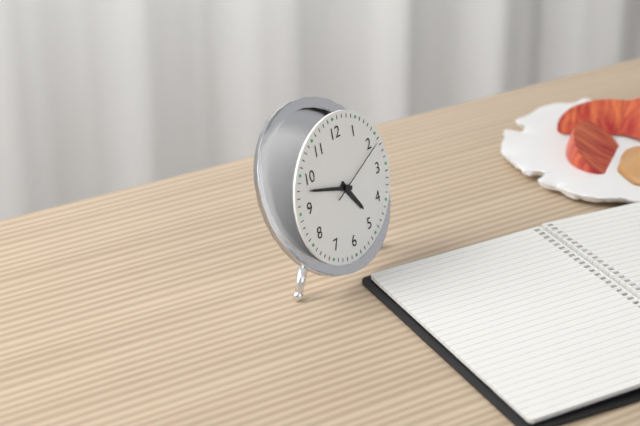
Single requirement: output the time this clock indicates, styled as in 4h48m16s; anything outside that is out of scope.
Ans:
4h48m11s
